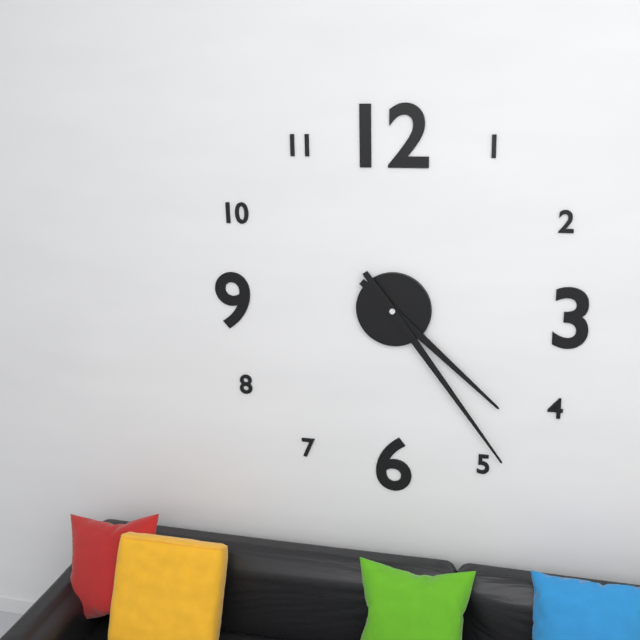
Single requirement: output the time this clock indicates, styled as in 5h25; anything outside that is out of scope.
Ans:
4h24
